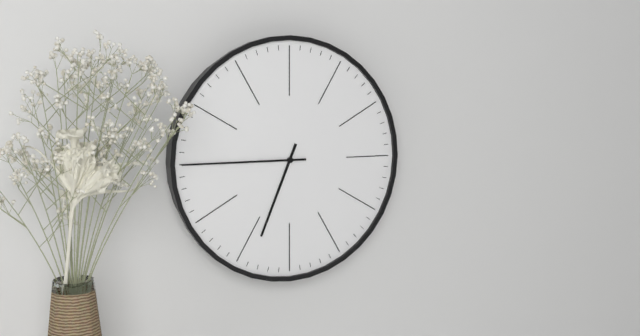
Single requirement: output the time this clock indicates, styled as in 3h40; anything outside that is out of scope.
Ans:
6h45
